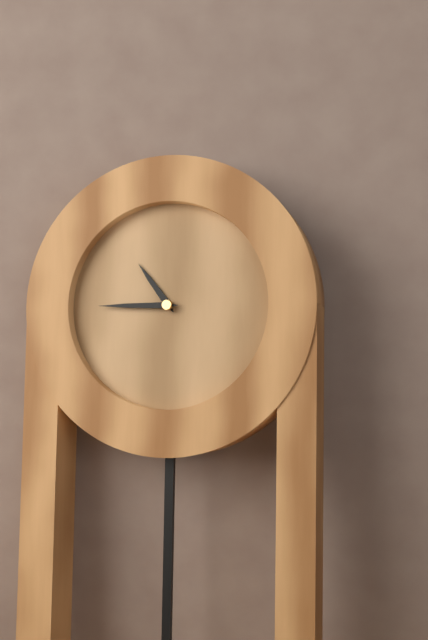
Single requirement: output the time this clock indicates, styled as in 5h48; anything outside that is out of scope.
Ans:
10h45
